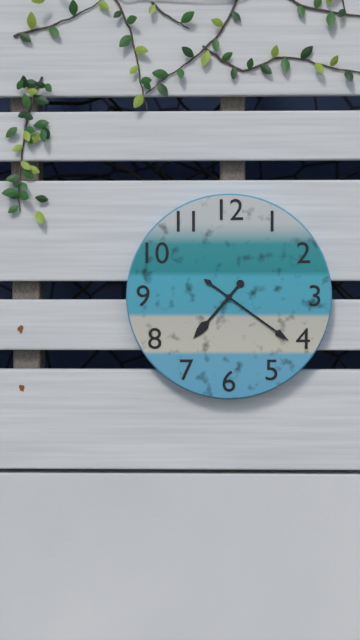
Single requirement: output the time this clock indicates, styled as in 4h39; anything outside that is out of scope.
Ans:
7h21
